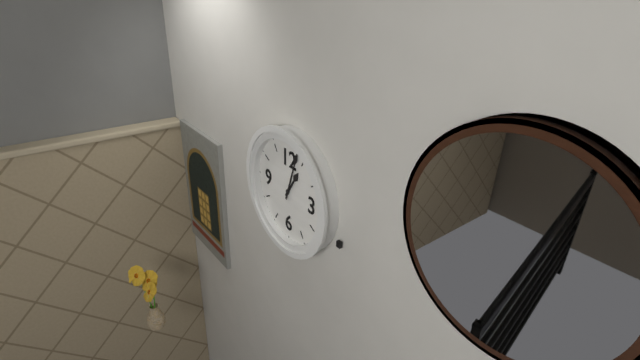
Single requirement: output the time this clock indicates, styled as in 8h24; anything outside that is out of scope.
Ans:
1h03
